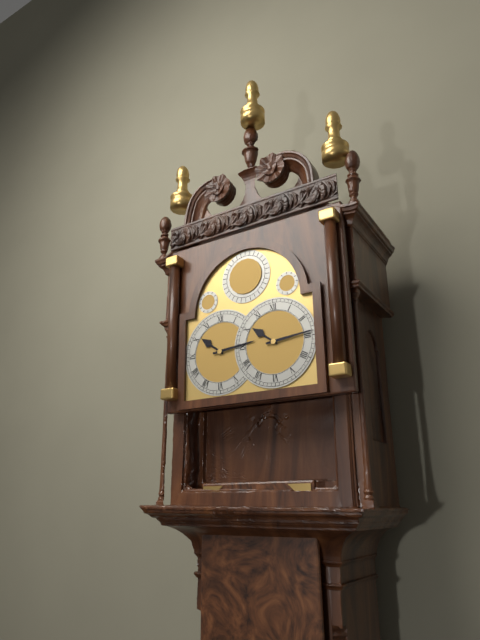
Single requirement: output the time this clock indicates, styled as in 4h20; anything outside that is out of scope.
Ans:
10h14
